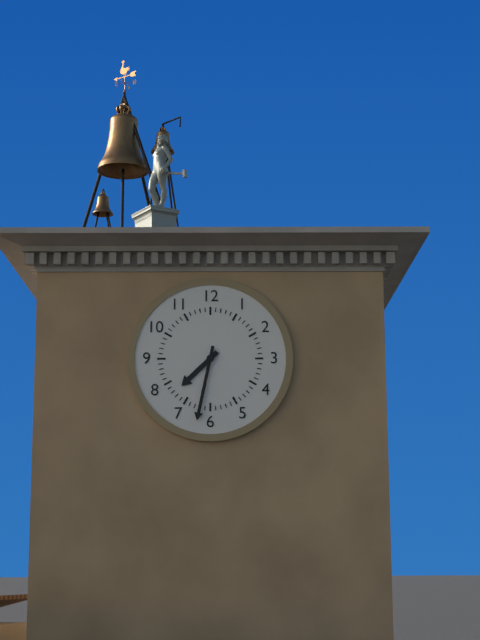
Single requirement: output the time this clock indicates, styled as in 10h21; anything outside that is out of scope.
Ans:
7h32
